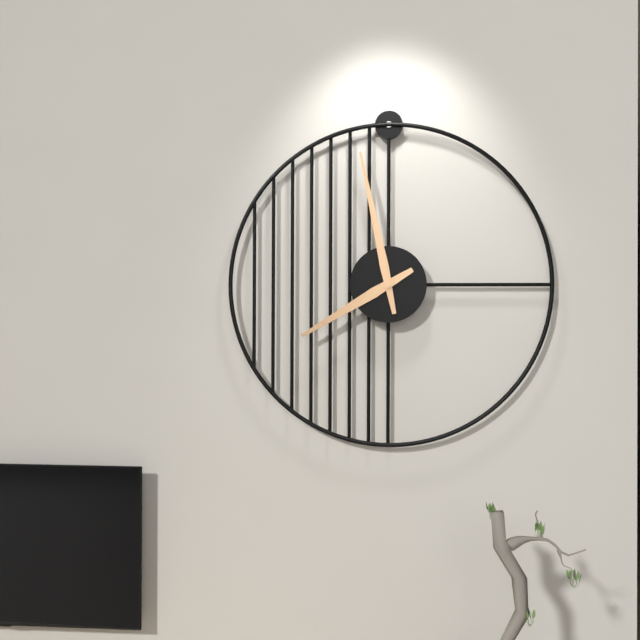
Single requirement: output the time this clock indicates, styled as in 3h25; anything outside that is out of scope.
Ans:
7h58
